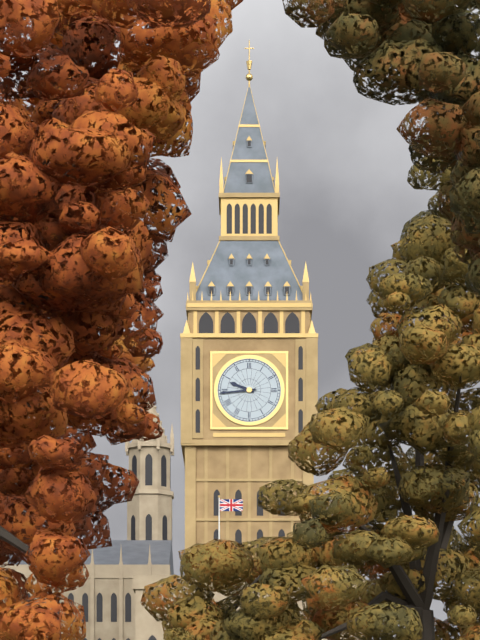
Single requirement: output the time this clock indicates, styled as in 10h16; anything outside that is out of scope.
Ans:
9h44
